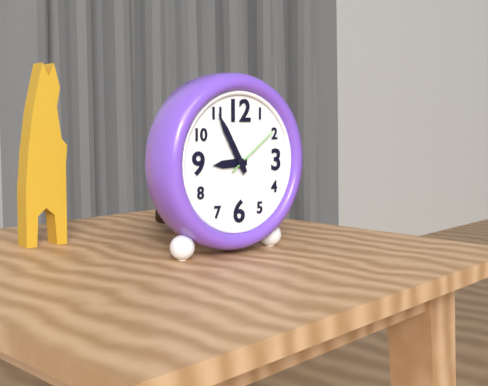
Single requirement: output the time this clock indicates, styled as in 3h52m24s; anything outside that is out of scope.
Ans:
8h55m09s
